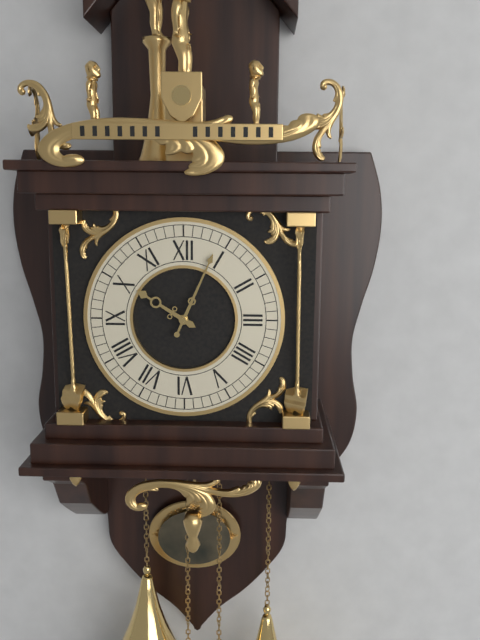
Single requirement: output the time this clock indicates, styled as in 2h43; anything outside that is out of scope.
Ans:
10h04
